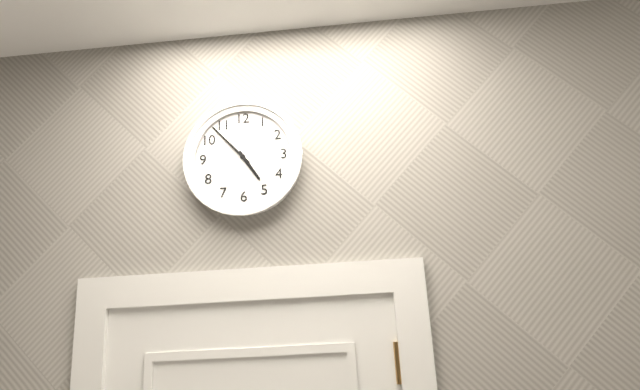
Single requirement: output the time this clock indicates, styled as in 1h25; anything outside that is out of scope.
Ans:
4h53
